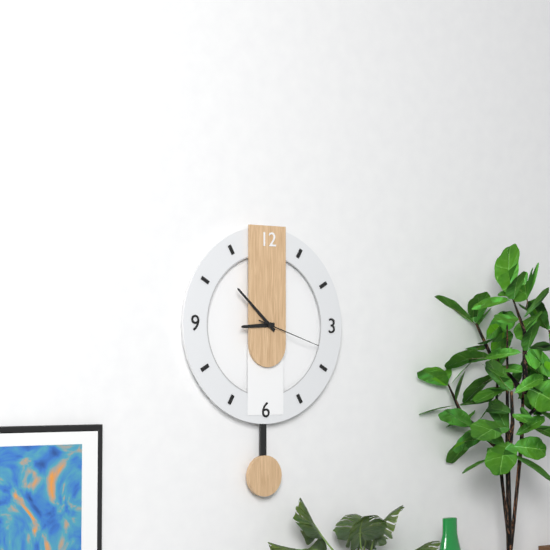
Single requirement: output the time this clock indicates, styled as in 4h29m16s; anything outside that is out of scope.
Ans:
8h52m18s
